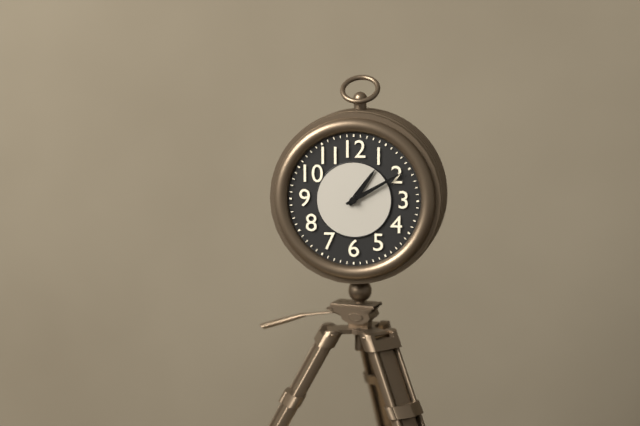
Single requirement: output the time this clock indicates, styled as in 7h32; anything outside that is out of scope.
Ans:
1h10
